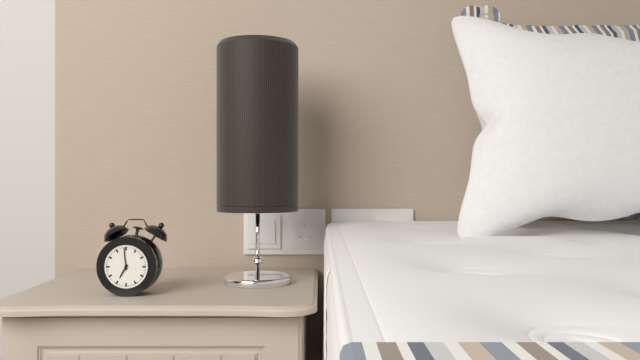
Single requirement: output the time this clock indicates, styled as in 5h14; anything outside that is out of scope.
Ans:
6h59
